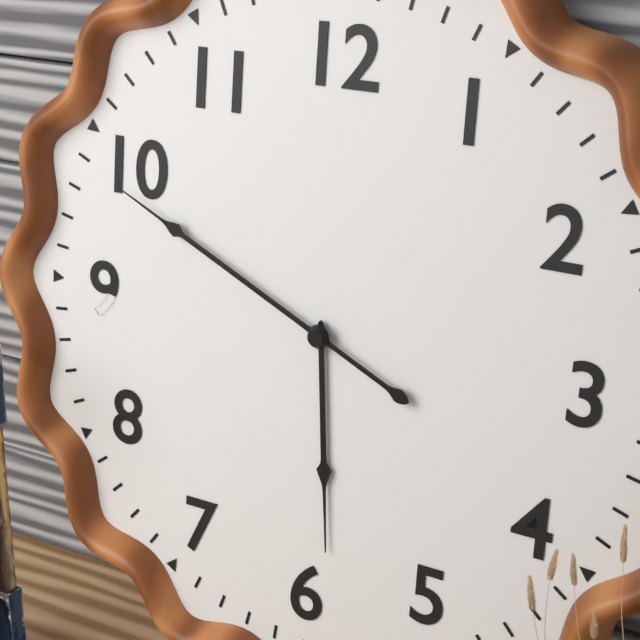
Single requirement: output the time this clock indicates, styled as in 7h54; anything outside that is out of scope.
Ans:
5h49
